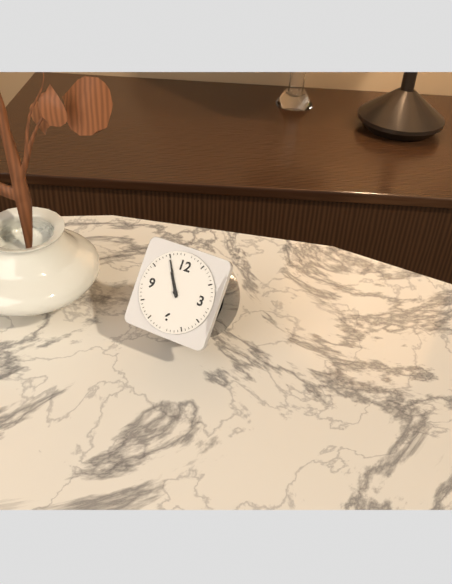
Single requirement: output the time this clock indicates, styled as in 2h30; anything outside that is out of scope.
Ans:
10h55
